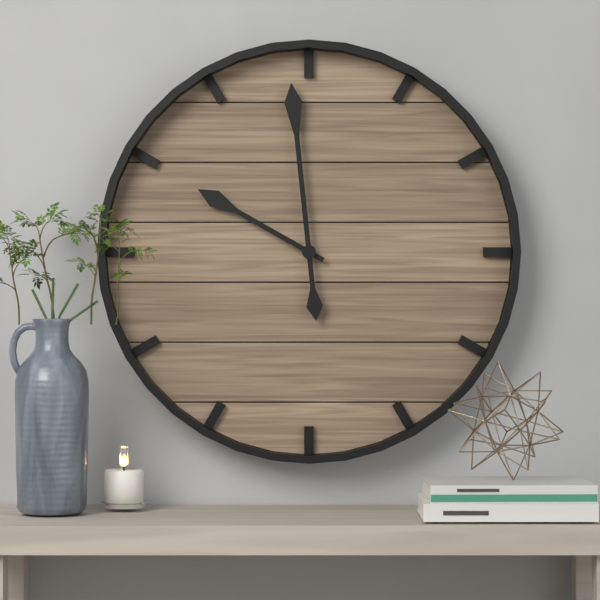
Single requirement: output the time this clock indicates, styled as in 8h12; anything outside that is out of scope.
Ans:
9h59
